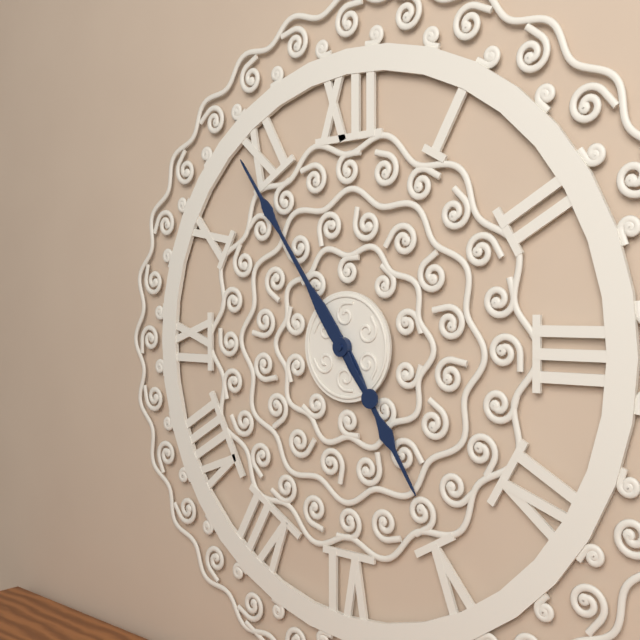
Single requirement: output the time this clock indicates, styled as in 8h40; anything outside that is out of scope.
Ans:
4h54
